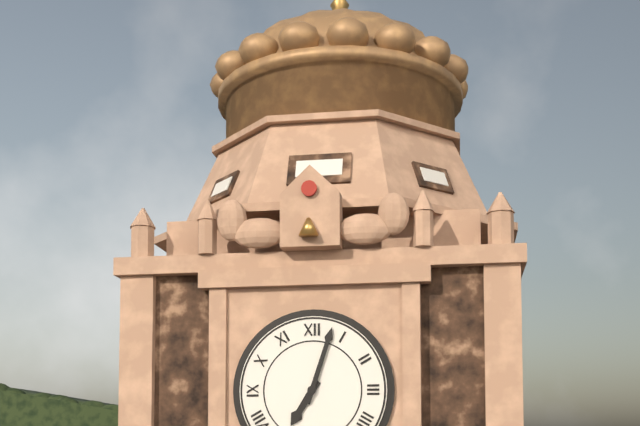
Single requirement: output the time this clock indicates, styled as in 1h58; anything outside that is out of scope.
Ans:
7h03
